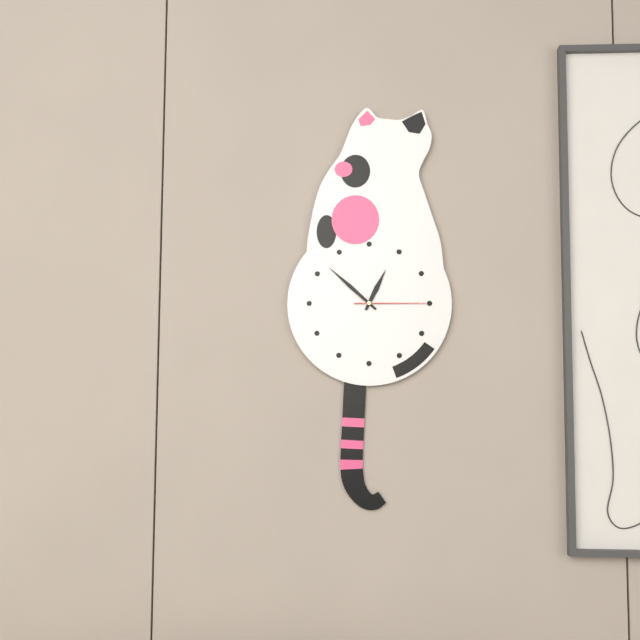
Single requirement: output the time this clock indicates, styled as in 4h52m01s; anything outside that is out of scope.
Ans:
12h52m15s
